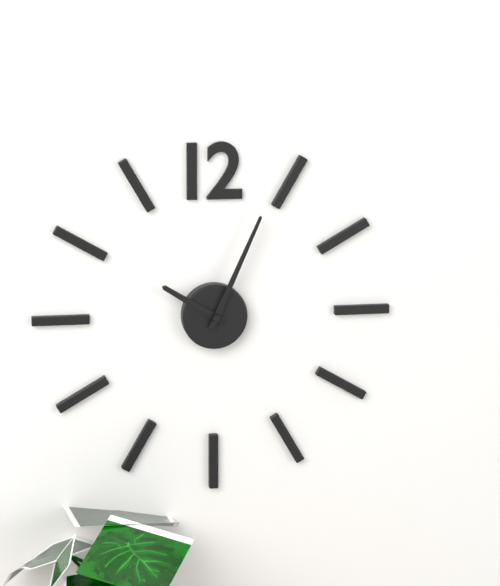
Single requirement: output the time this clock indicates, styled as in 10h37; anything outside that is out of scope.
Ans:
10h04
